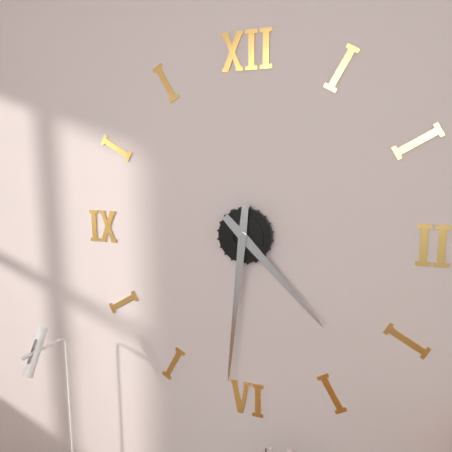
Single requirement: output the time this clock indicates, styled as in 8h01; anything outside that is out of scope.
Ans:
4h31
